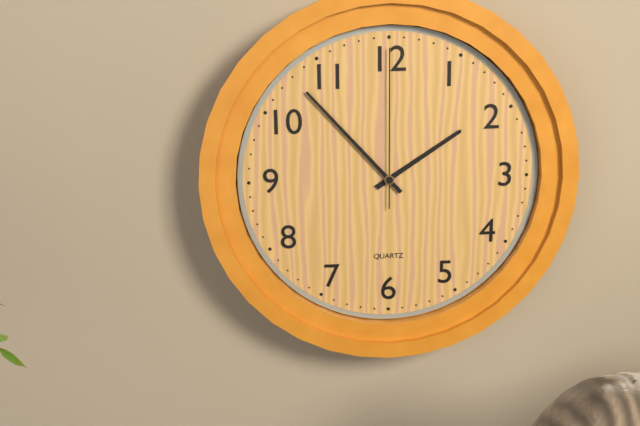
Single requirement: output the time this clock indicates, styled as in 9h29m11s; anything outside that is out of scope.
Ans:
1h53m00s
